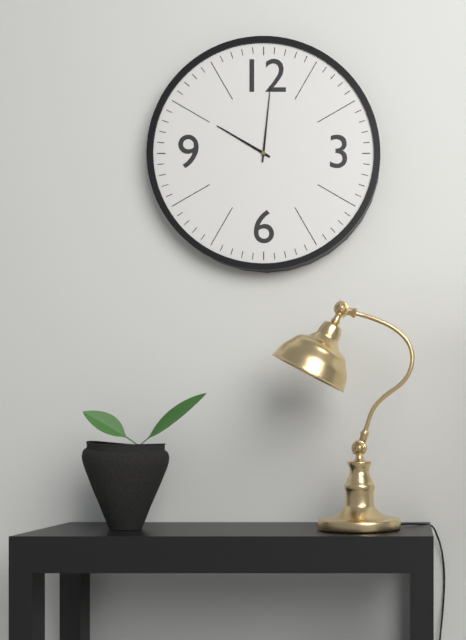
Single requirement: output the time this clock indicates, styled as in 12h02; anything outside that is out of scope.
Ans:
10h01
